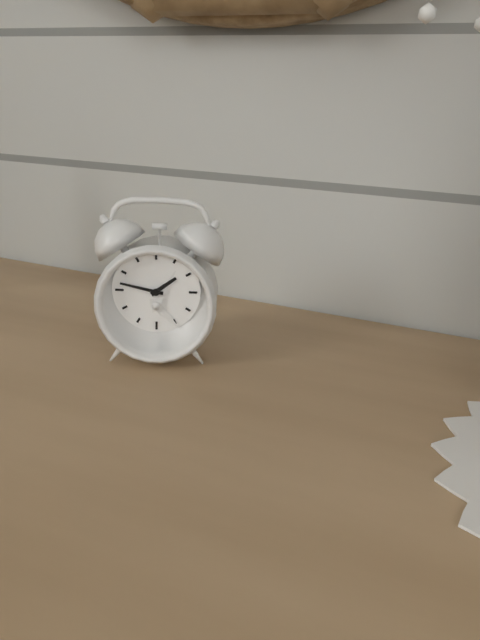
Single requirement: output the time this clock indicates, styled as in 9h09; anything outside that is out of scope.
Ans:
1h47
